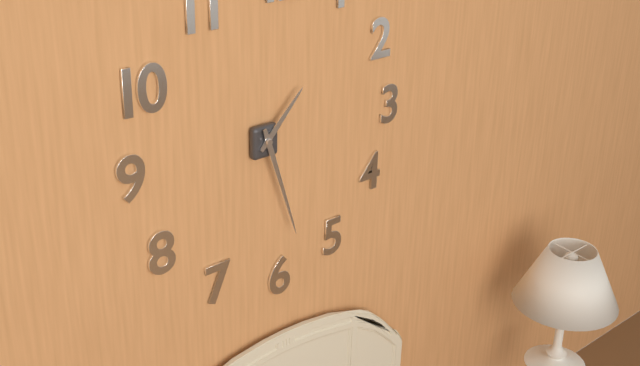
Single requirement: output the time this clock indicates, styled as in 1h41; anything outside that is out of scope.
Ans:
1h27
